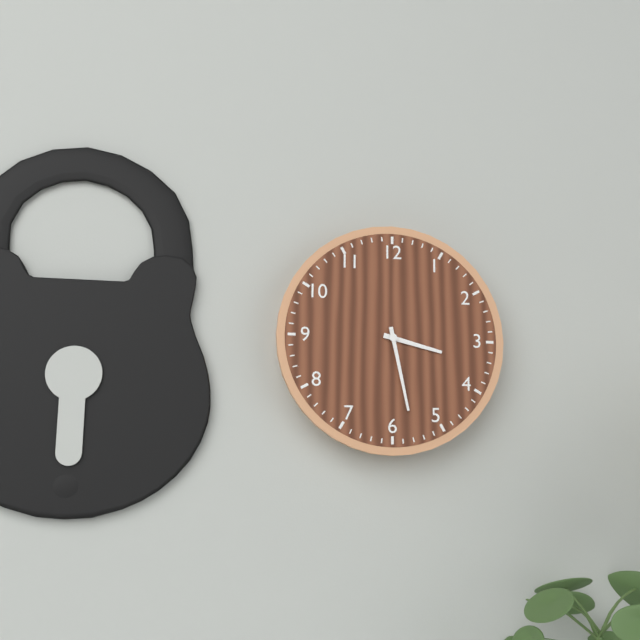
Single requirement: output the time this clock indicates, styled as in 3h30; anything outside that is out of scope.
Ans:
3h28
